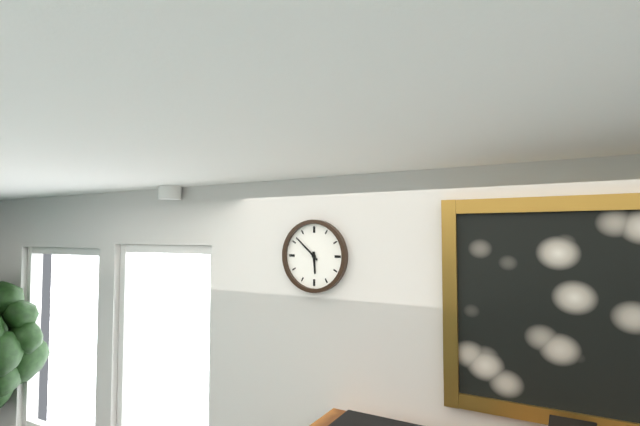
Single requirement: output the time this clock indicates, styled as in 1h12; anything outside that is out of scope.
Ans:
5h52
